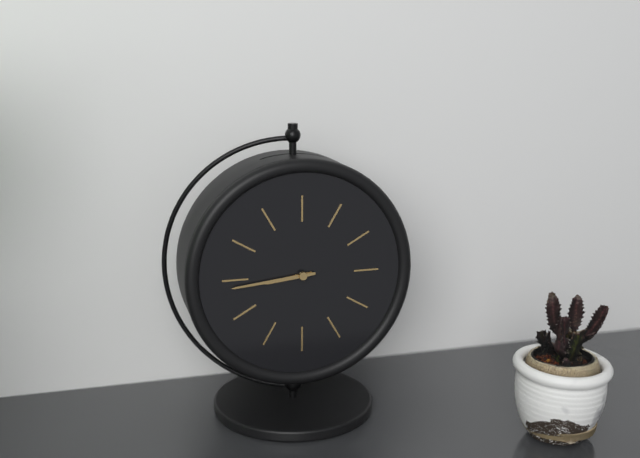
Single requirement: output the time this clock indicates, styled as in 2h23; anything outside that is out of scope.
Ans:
8h44
